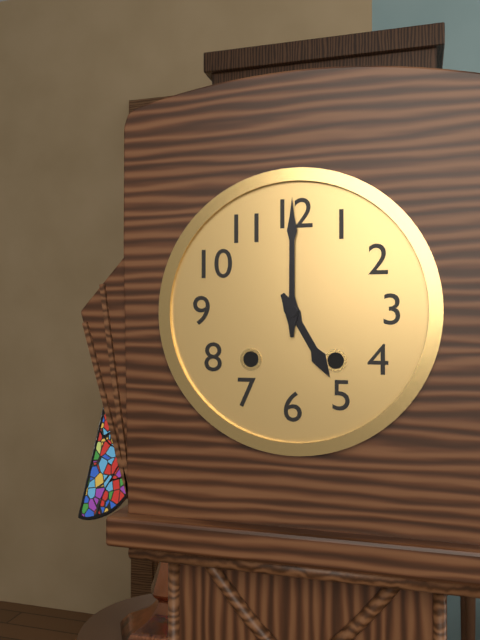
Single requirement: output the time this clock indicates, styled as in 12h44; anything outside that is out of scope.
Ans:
5h00
